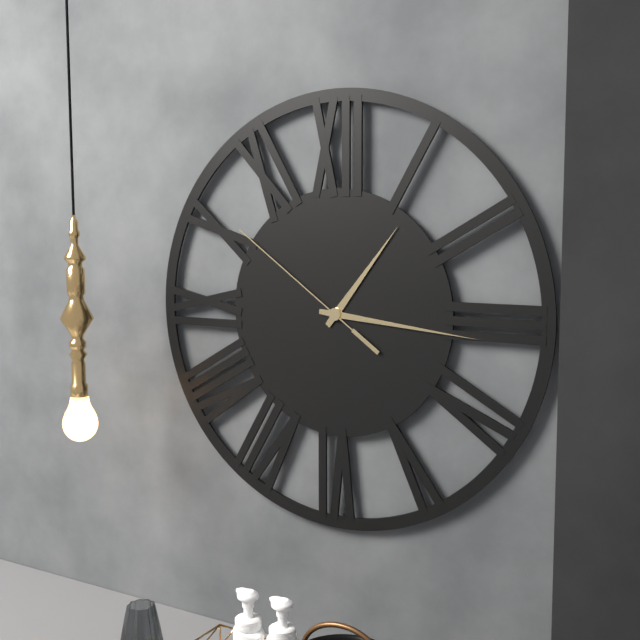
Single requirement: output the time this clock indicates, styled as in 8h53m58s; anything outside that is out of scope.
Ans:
1h16m51s
